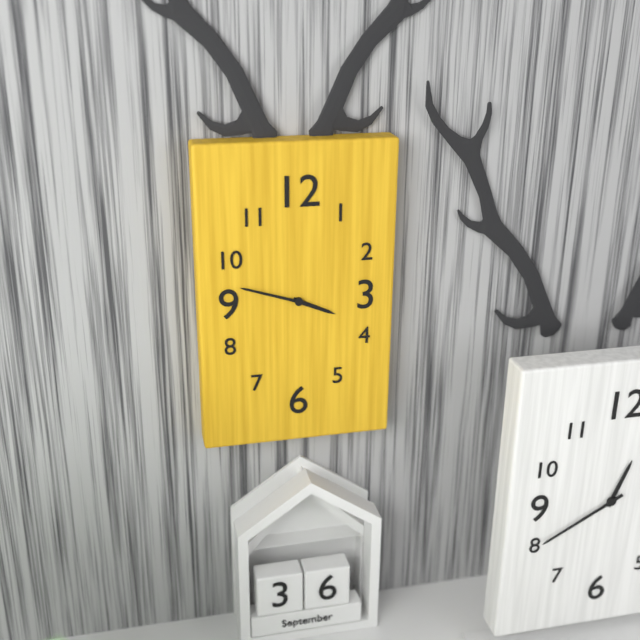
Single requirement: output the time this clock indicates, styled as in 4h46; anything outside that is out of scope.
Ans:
3h48
